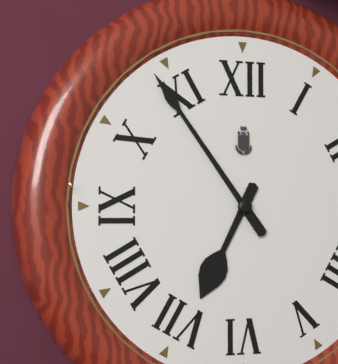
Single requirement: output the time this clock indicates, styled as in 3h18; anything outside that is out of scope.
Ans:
6h54
